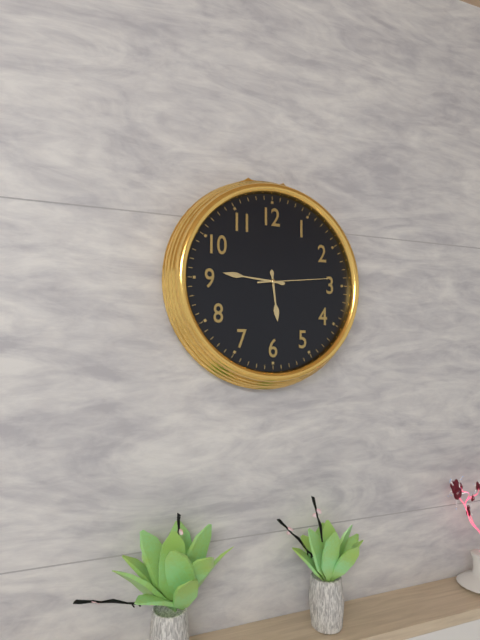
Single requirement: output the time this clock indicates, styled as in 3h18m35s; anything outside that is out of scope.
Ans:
5h46m14s
